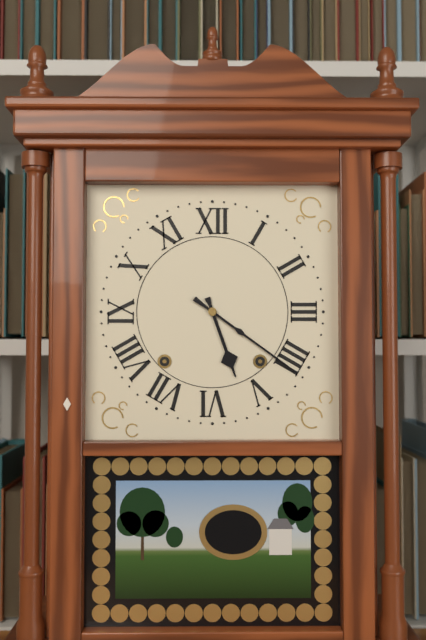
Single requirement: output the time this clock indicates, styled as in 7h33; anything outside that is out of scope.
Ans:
5h21
